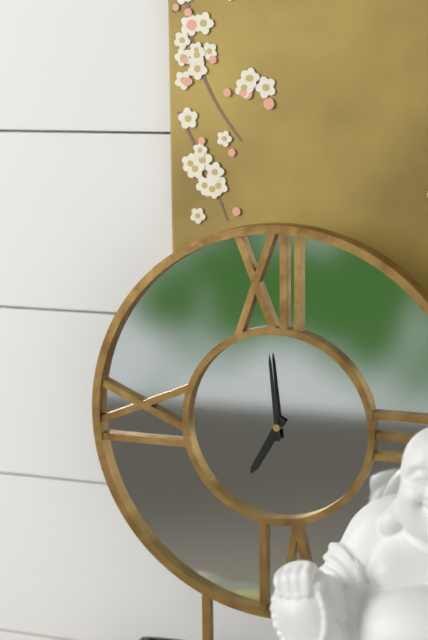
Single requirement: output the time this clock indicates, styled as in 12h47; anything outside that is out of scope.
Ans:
6h59
